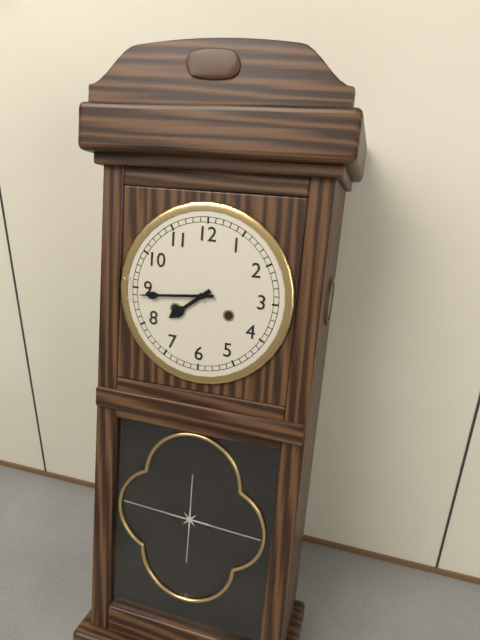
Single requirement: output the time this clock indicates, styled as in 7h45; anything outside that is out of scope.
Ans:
7h44
